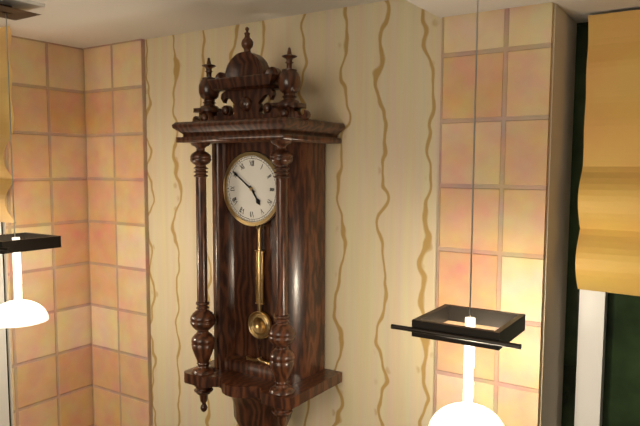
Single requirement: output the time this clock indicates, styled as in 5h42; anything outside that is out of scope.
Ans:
4h51
